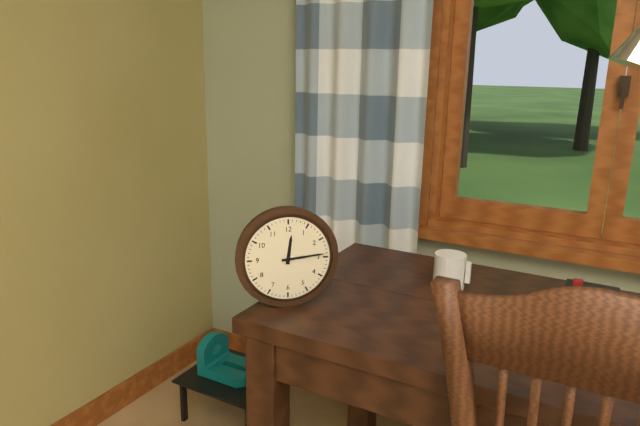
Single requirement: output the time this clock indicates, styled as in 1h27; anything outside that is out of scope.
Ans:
12h14
